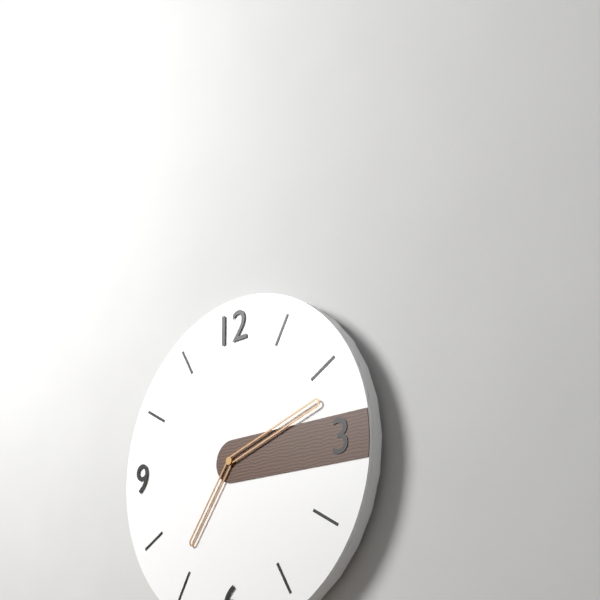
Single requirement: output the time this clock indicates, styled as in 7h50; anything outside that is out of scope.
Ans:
7h12
